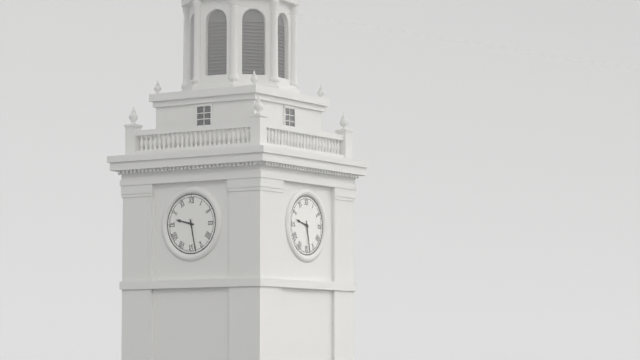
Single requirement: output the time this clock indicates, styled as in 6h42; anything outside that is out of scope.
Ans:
9h28
